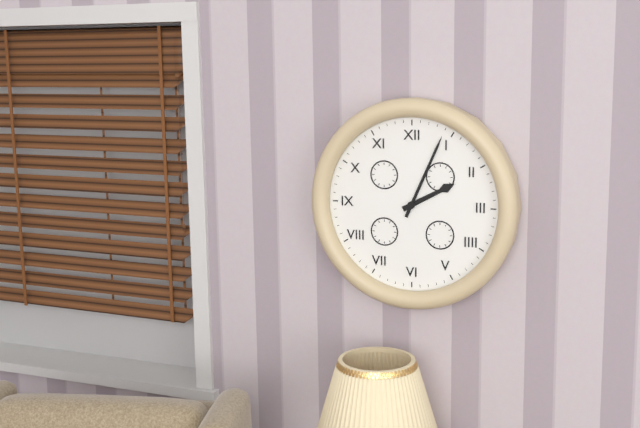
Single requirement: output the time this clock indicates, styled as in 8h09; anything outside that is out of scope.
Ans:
2h04
